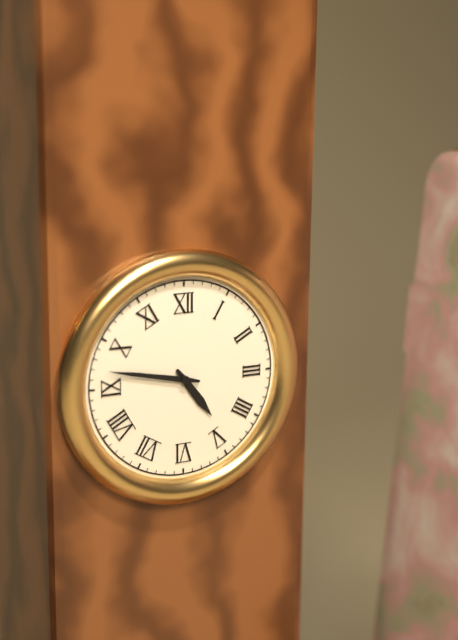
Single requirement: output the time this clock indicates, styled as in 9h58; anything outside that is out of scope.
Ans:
4h47
